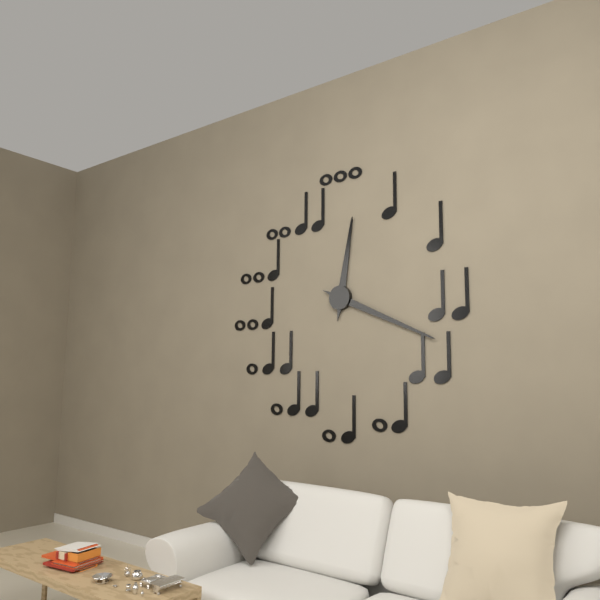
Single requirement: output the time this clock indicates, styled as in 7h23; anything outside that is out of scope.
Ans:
12h19
